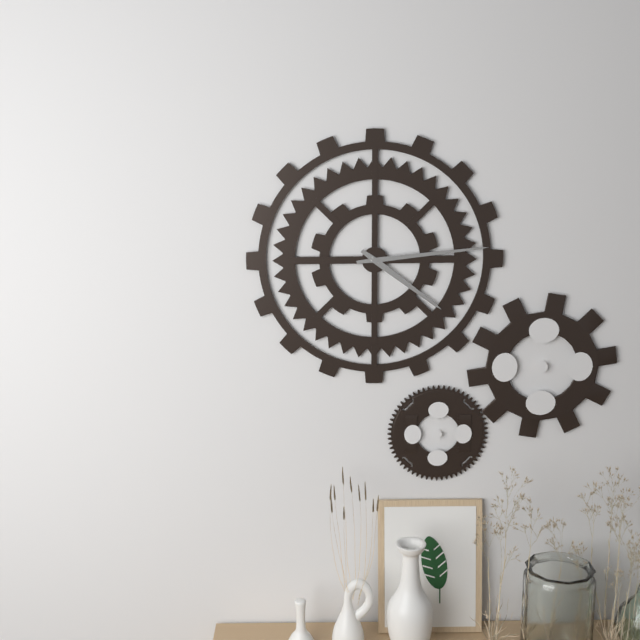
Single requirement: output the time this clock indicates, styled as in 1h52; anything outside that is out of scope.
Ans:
4h14
